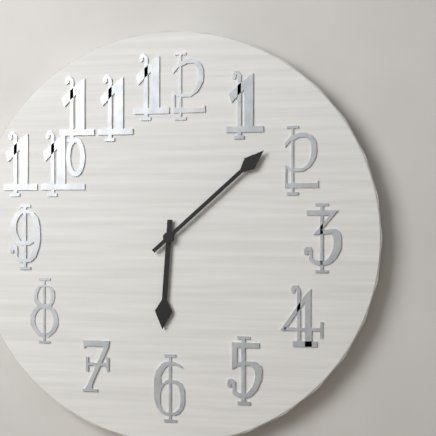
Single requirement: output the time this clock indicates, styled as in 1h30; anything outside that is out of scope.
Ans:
6h08
